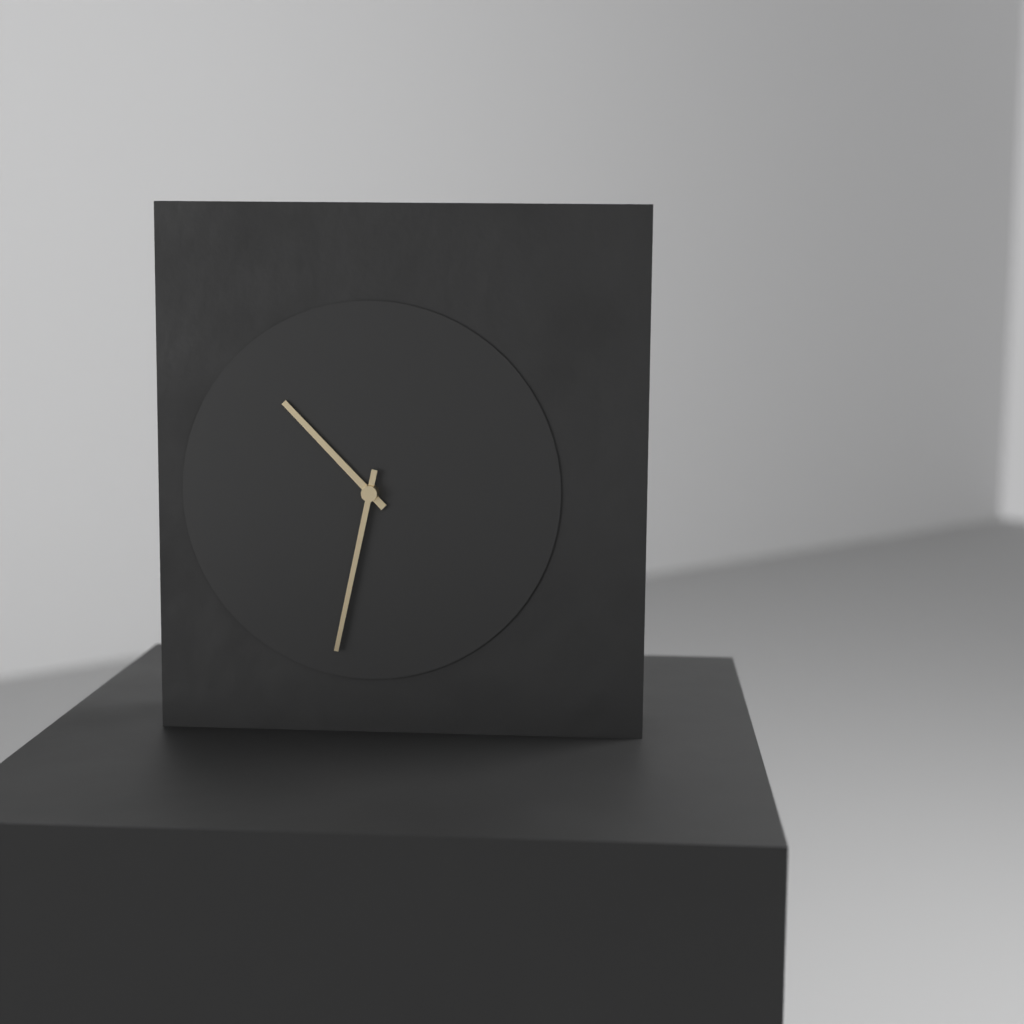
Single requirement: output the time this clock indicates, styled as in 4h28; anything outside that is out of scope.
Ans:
10h32
